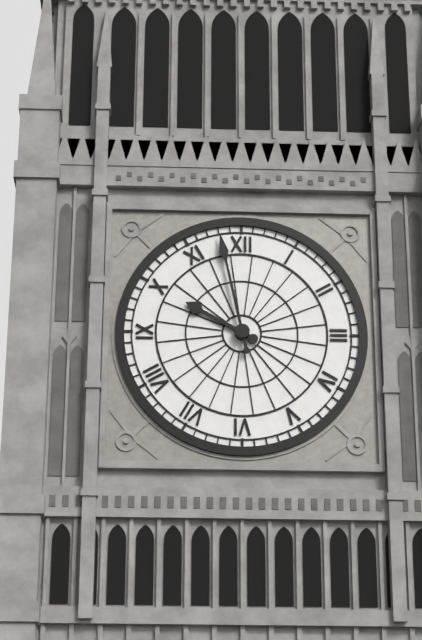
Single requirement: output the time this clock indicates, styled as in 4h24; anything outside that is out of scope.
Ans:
9h58
